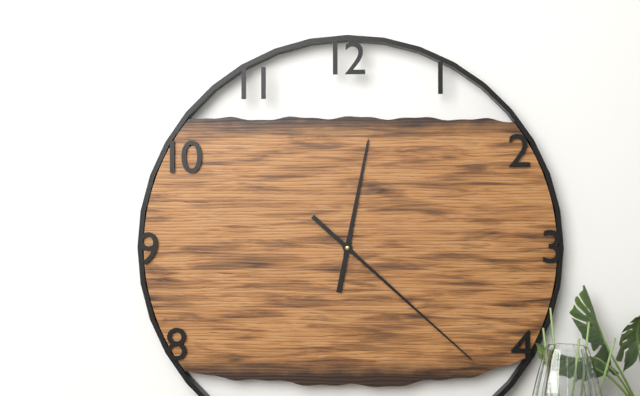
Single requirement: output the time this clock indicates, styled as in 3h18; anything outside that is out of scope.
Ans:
12h22
